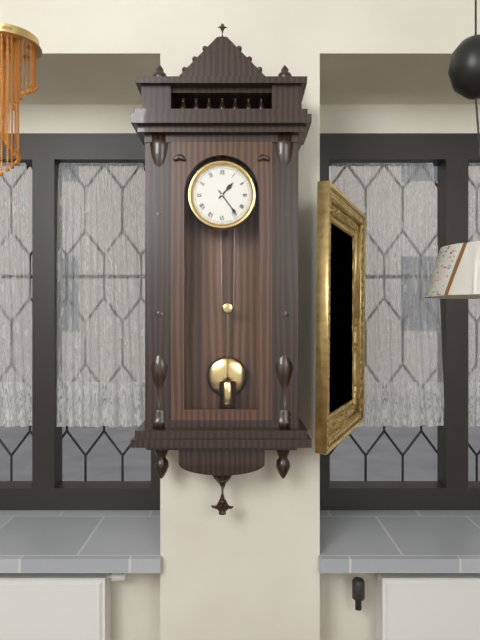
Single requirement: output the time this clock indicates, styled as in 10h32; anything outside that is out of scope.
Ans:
1h24
